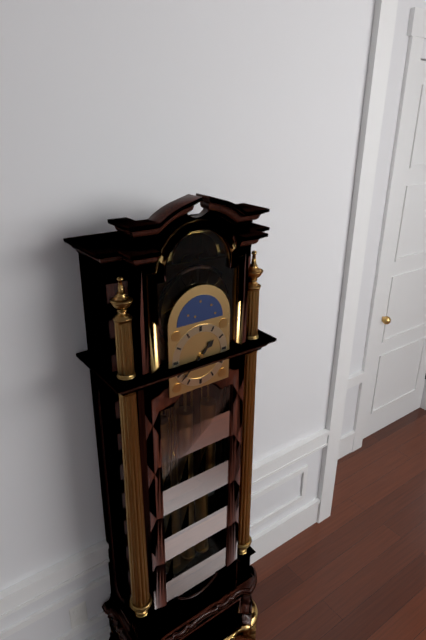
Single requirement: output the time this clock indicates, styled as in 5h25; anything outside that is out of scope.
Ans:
1h38
